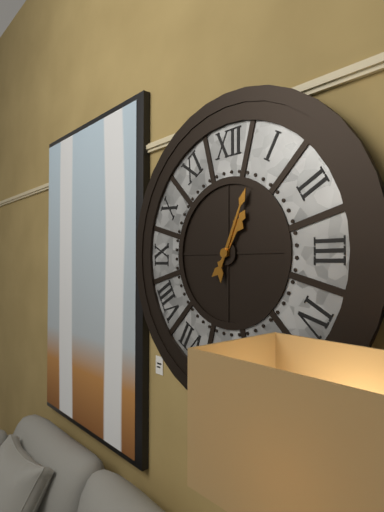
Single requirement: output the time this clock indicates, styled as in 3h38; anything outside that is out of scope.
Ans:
1h04
